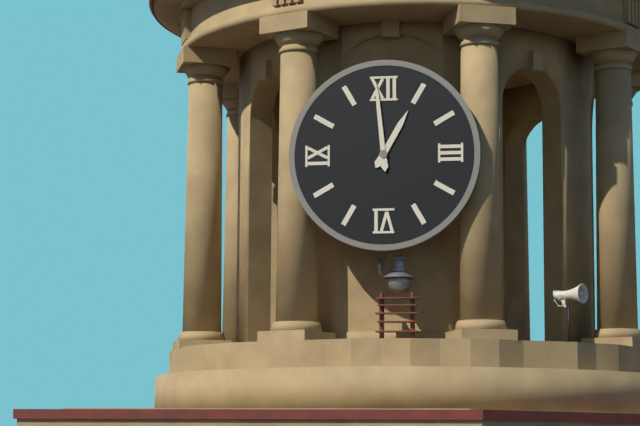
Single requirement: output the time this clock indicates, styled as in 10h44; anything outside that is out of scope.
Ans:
12h59
